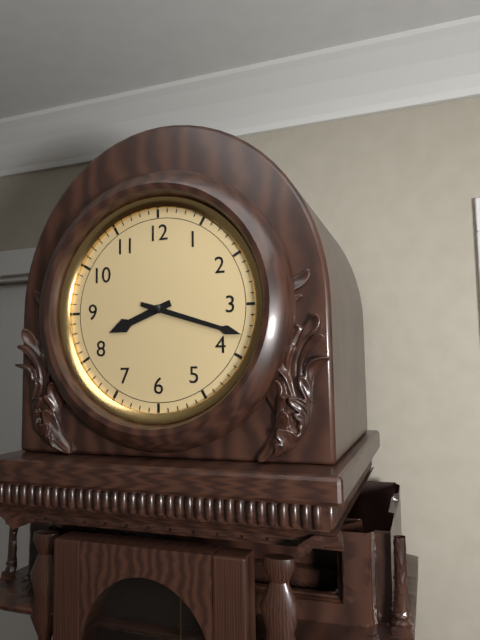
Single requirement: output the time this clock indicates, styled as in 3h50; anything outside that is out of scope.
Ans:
8h18
